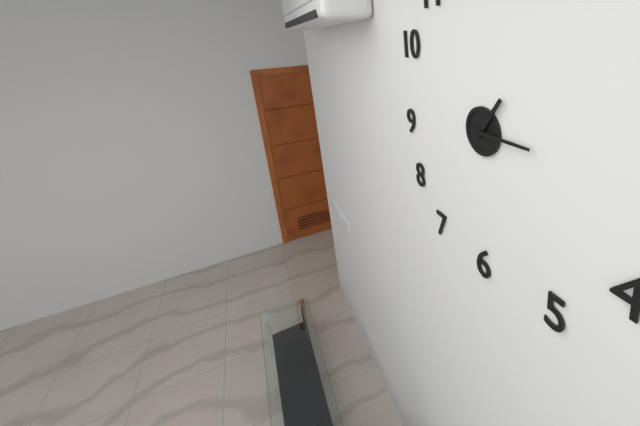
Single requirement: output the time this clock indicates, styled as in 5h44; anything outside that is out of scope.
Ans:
1h15
